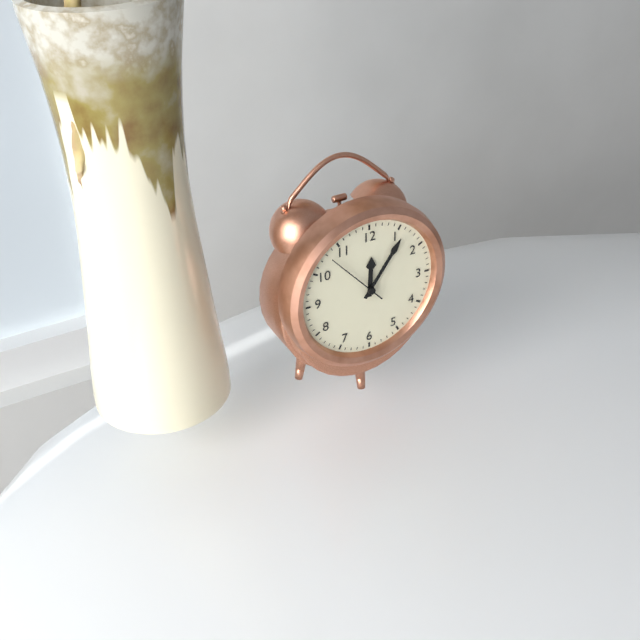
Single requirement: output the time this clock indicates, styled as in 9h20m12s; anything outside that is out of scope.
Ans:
12h06m53s
